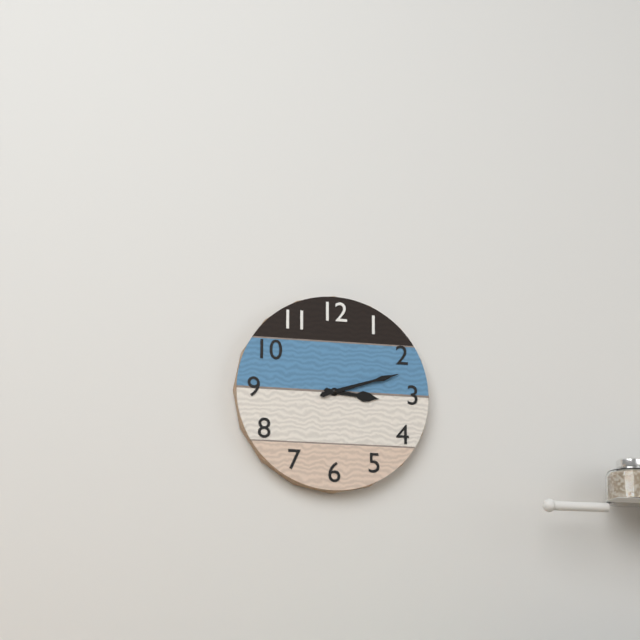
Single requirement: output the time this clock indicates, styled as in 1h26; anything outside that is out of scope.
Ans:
3h12
